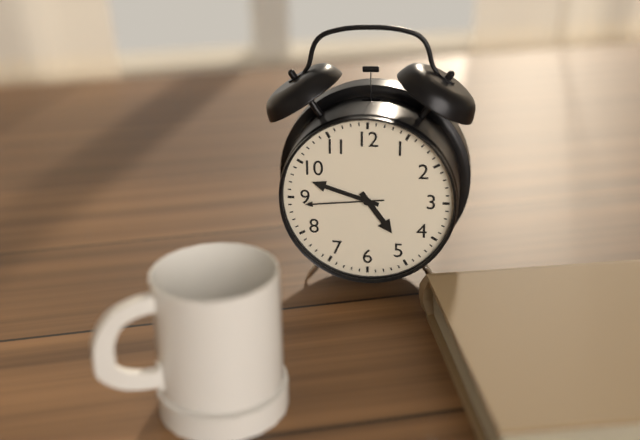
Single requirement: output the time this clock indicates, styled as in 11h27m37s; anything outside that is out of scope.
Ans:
4h48m44s
